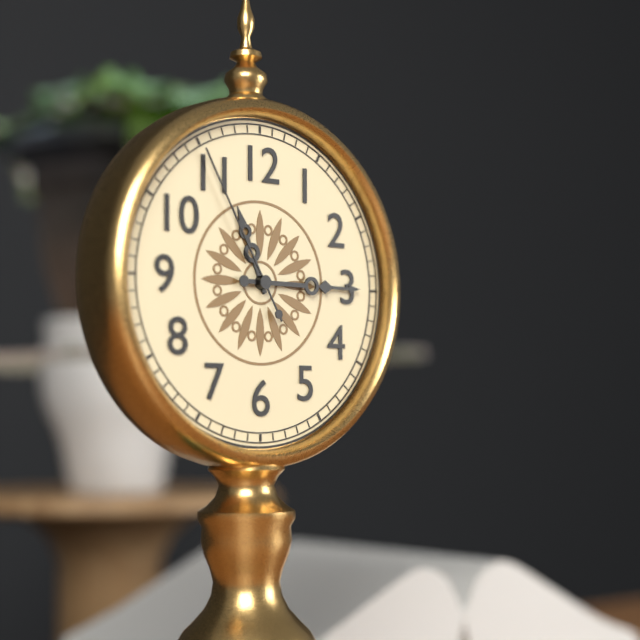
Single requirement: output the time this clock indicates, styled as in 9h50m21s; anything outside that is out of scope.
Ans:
11h15m55s
